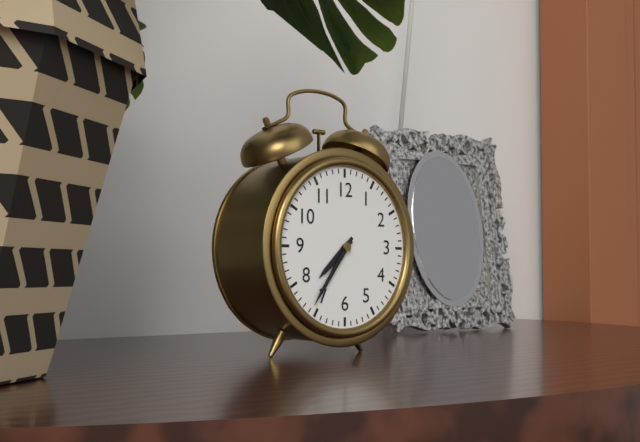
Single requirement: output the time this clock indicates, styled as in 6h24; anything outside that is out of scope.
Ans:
7h36
